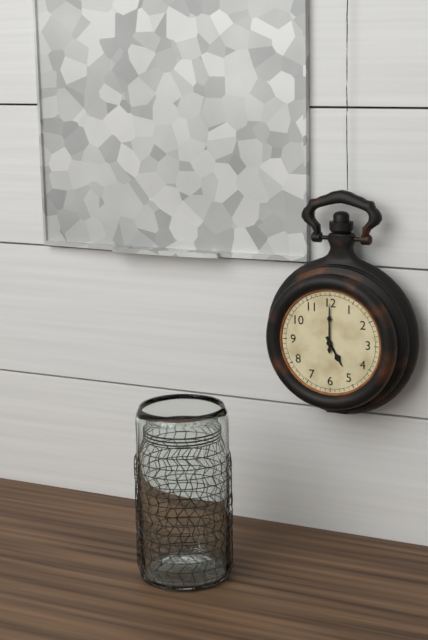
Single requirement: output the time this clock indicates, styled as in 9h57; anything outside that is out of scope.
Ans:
5h00
